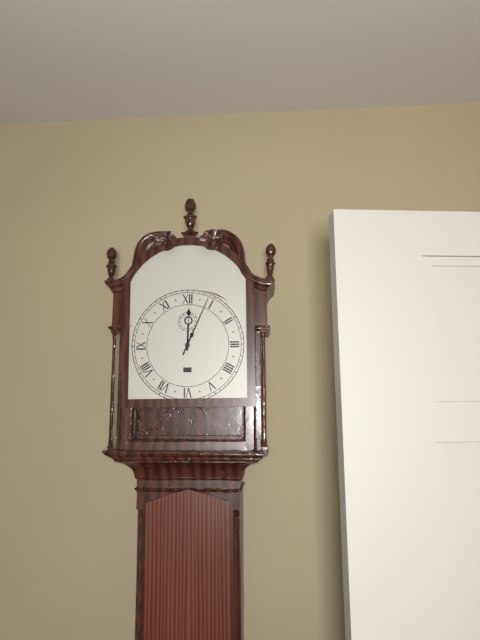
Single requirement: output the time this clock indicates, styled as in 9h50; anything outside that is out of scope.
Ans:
12h04
